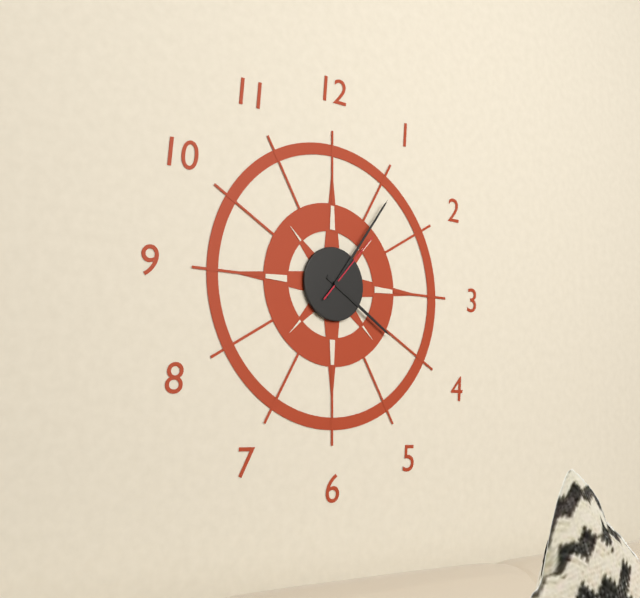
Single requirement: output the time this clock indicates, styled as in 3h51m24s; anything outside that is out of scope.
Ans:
4h06m07s
